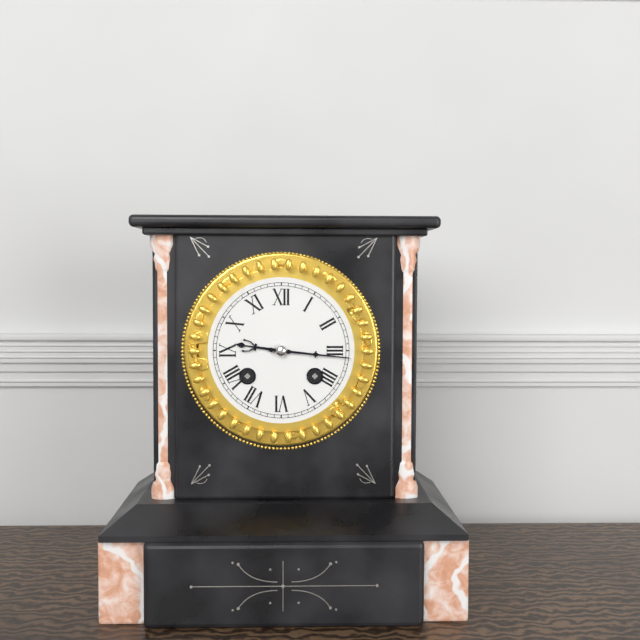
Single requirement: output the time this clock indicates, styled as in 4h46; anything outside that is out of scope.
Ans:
9h16
